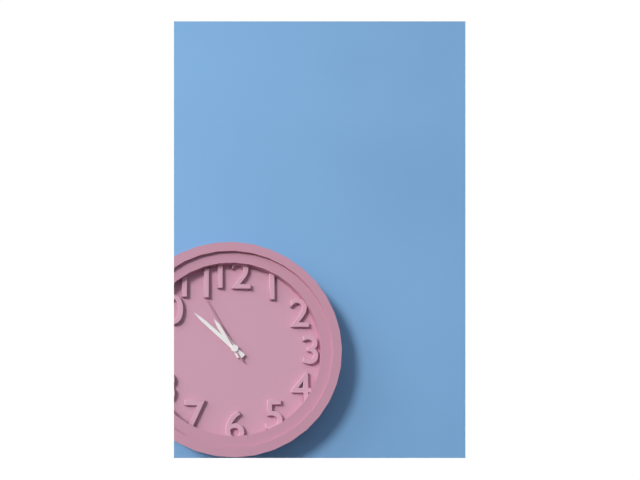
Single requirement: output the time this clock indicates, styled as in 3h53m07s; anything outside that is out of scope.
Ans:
10h52m55s
